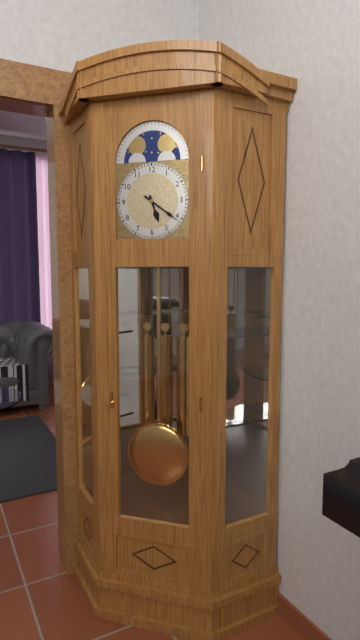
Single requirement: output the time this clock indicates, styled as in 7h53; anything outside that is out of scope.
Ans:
5h21
